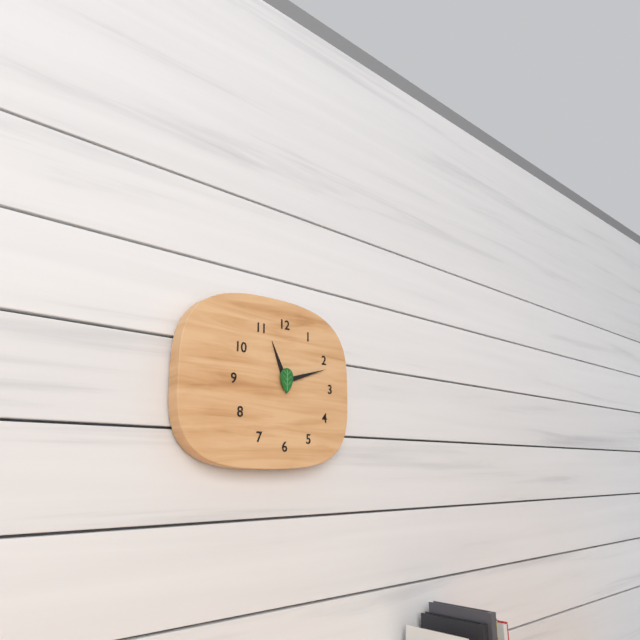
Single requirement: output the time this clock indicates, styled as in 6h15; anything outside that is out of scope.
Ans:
11h12
